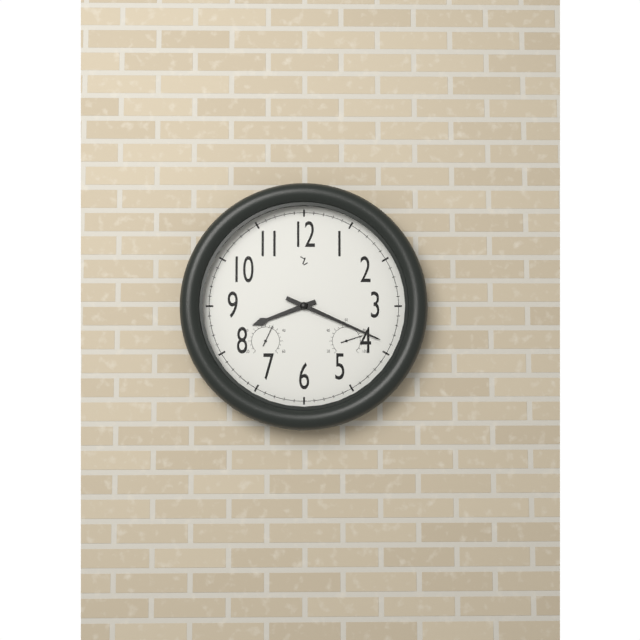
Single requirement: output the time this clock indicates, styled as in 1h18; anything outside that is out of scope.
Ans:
8h19
